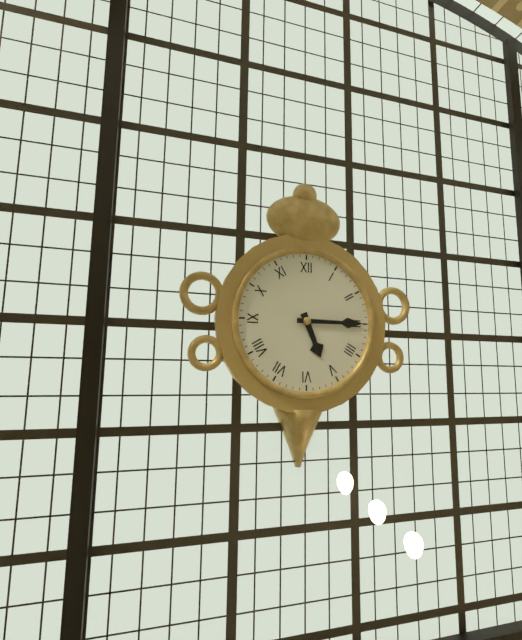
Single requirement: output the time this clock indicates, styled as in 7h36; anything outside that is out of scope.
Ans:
5h15
